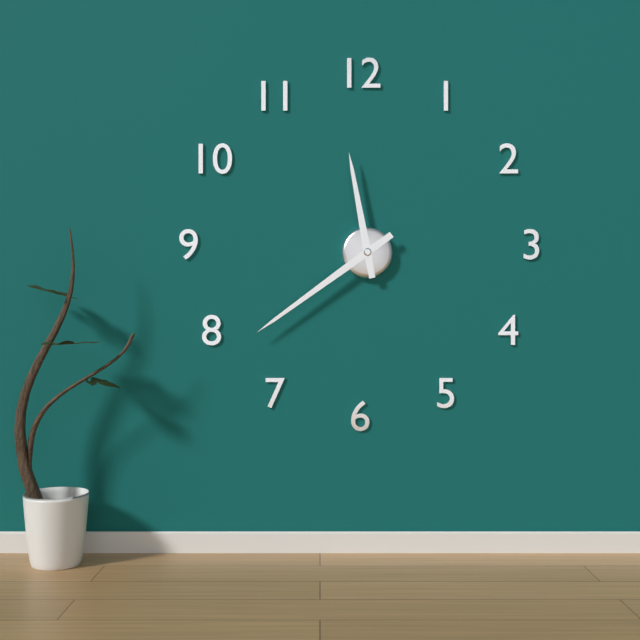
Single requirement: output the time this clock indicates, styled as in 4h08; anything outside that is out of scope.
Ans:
11h39
